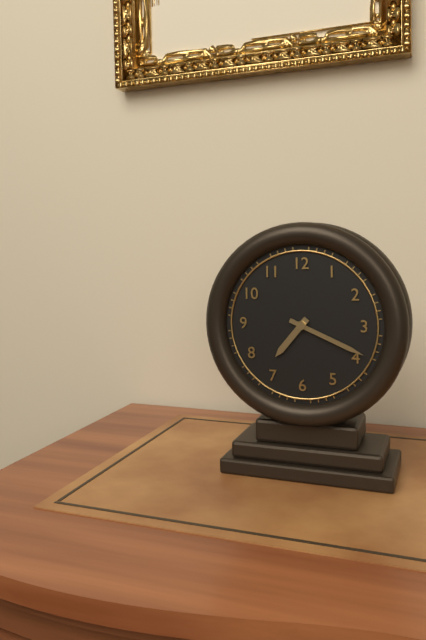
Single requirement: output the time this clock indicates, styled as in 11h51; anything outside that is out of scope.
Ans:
7h19
